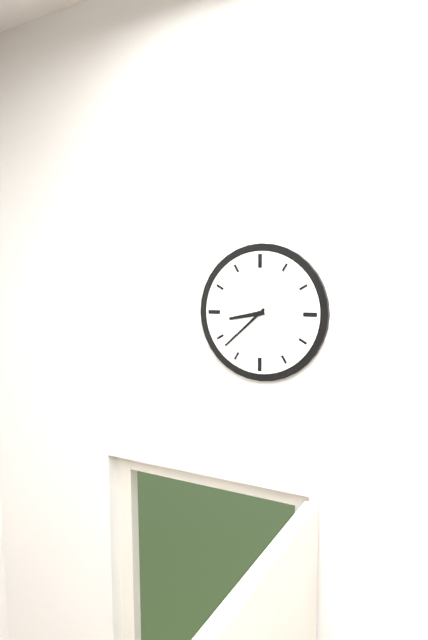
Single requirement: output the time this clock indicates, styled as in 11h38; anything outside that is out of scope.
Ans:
8h38
